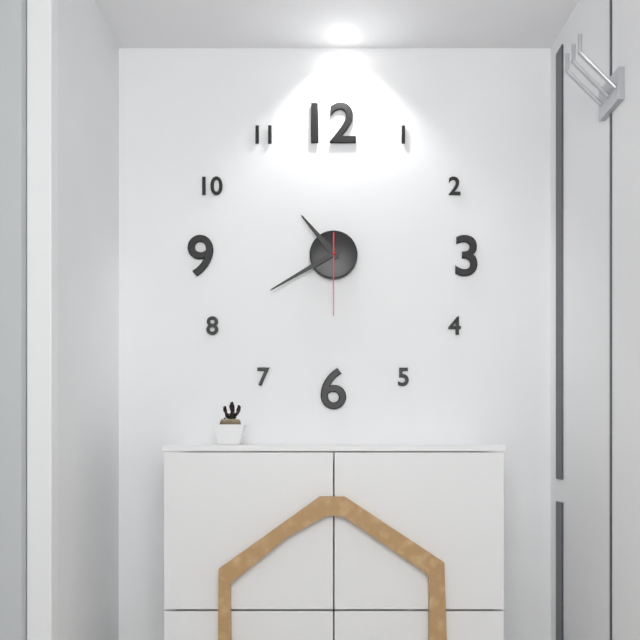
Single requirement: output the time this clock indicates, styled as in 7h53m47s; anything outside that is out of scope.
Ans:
10h40m30s
